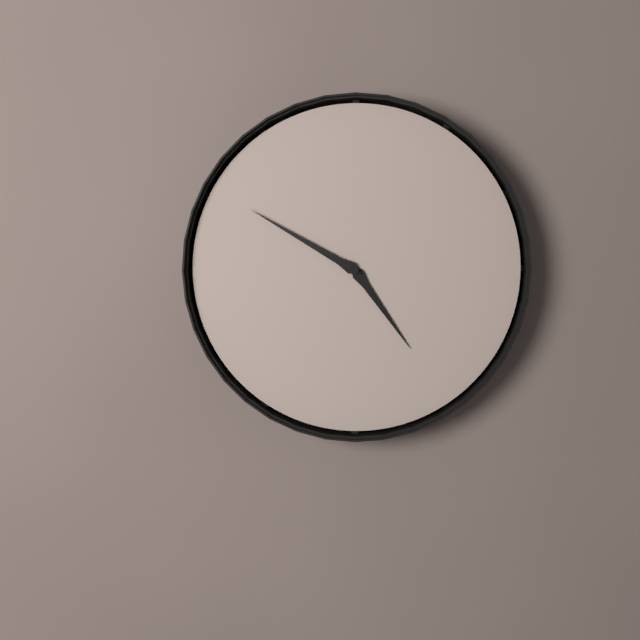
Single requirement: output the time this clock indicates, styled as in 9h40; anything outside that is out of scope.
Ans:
4h50
